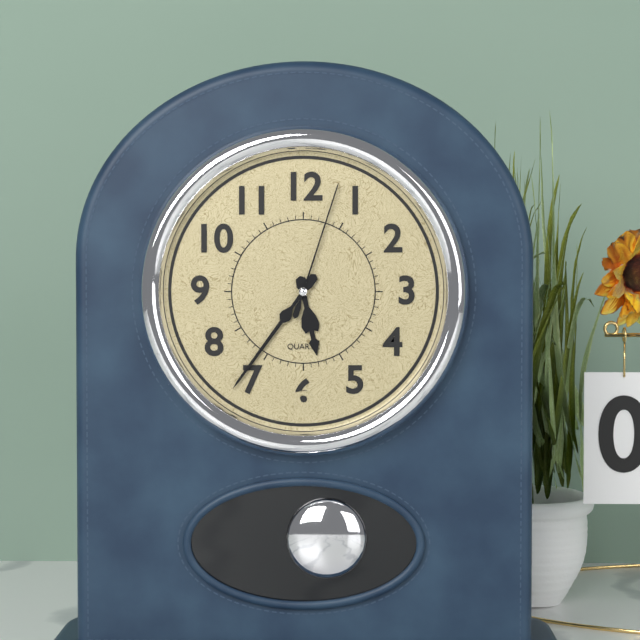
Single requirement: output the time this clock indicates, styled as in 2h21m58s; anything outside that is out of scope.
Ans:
5h36m03s
